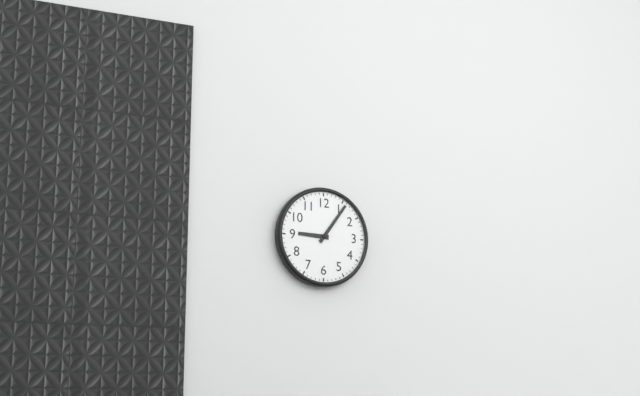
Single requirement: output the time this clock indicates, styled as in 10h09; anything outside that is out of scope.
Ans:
9h06
